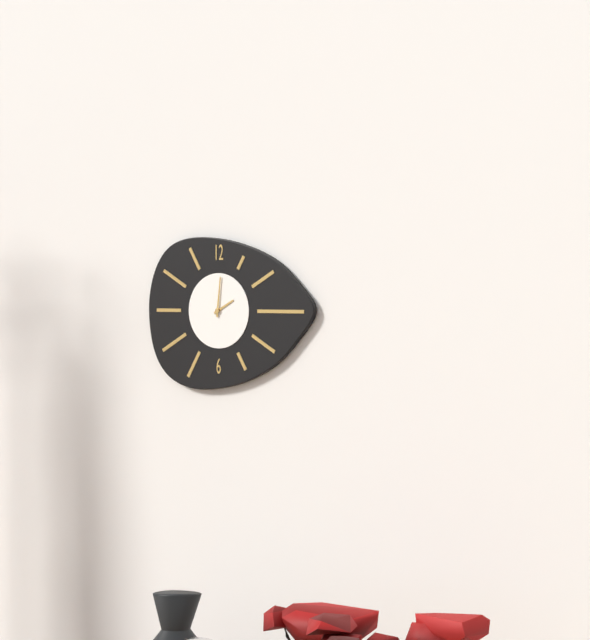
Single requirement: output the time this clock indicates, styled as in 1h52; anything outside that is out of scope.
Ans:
2h01
